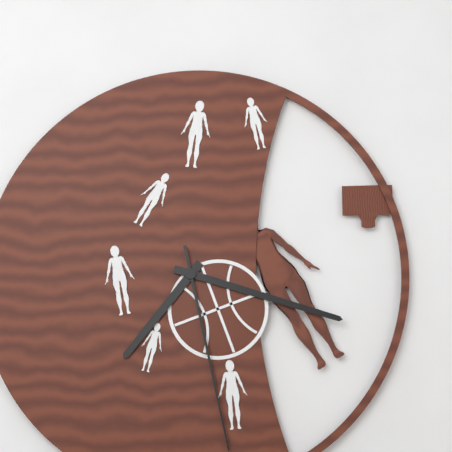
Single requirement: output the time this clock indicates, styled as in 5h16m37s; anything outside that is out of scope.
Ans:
7h18m28s
